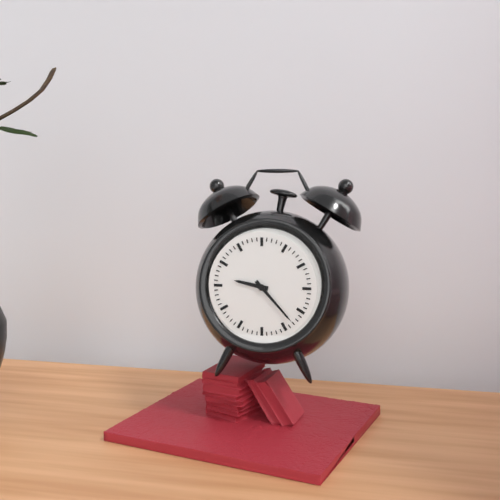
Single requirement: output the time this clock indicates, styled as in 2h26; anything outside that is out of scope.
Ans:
9h23
